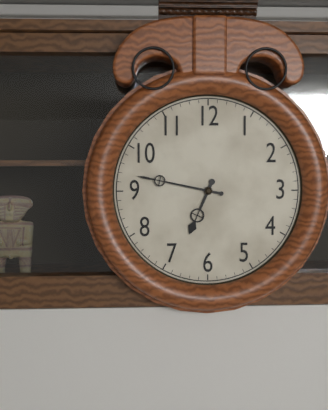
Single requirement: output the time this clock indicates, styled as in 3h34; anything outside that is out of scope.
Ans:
6h47
